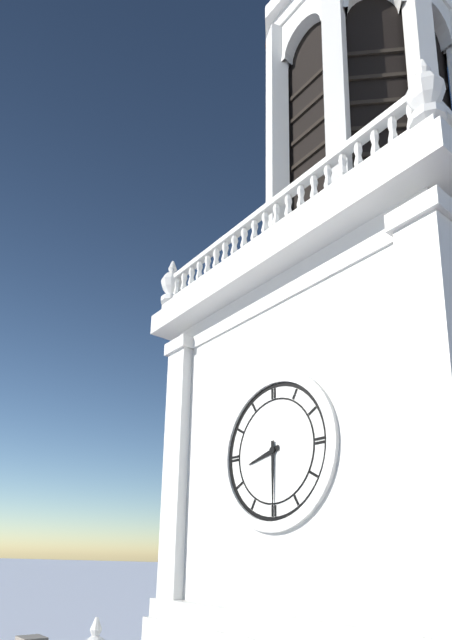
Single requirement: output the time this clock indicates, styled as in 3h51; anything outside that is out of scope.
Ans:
8h30
